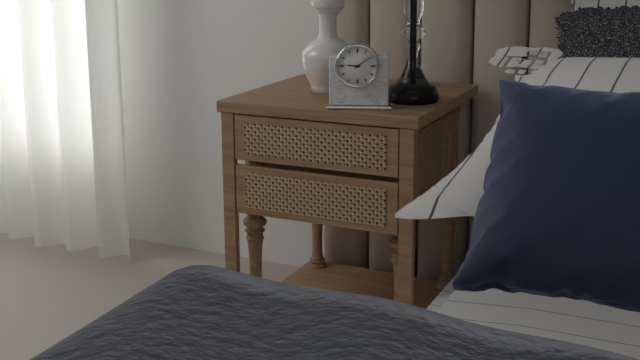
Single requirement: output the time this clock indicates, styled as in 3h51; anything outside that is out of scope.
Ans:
9h09
